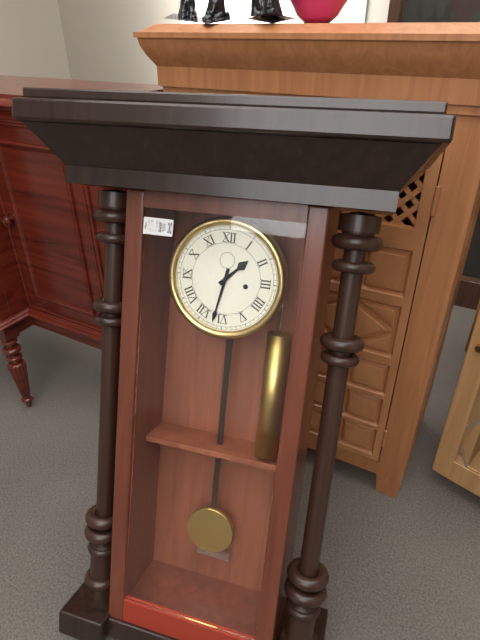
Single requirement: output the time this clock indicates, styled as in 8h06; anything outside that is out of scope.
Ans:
1h32
